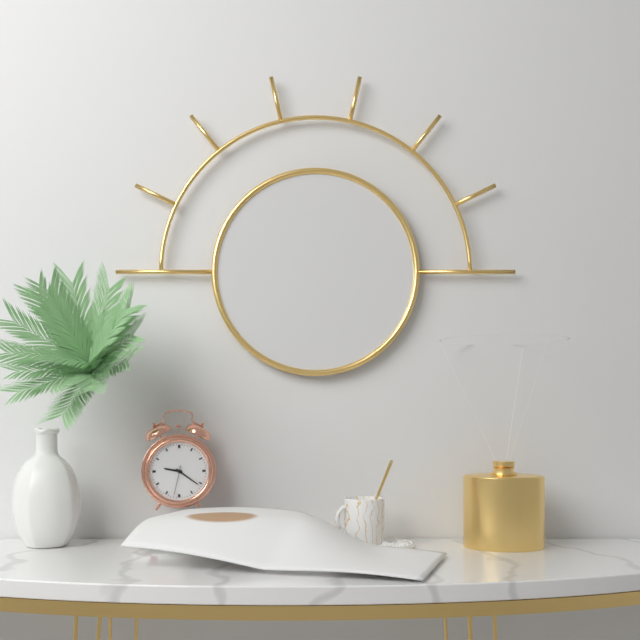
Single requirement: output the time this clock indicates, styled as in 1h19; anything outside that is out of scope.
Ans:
9h21
